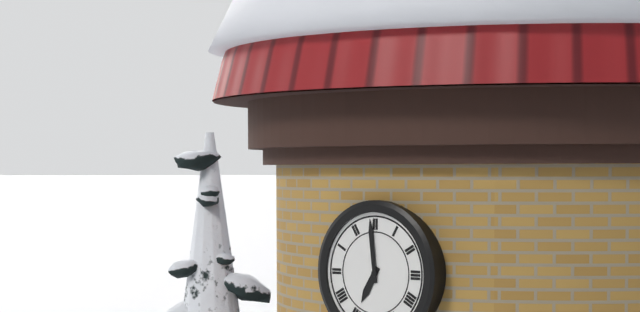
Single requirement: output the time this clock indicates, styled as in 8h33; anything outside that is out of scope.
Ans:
6h59
